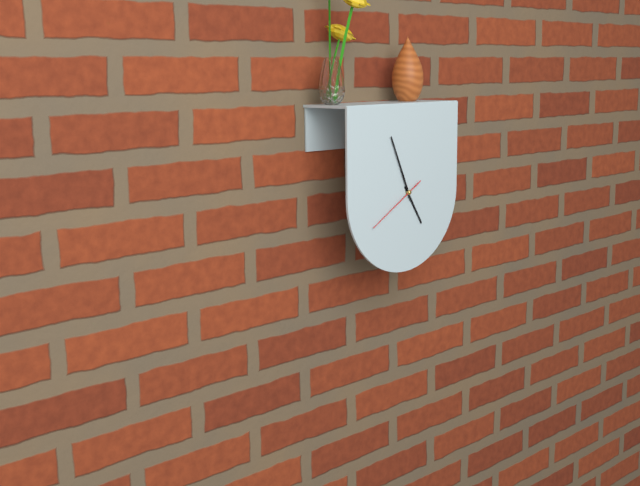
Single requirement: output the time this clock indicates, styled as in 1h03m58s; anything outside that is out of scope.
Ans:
4h56m40s
